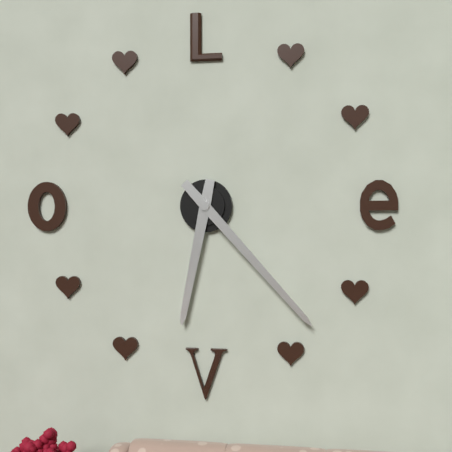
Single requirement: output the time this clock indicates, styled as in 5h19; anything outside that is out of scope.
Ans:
6h23
